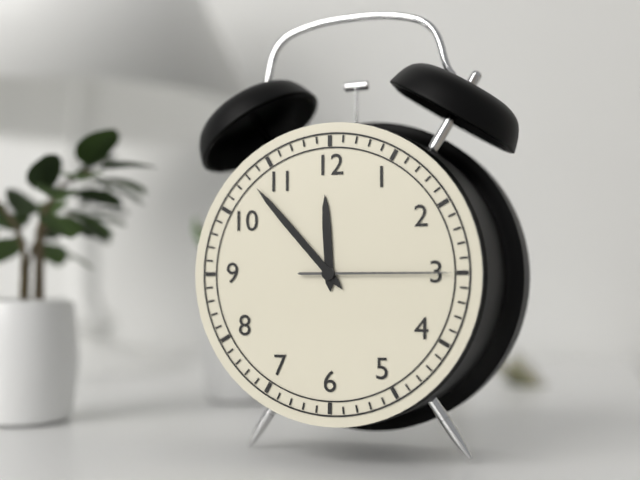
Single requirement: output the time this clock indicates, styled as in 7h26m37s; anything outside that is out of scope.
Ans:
11h53m15s
